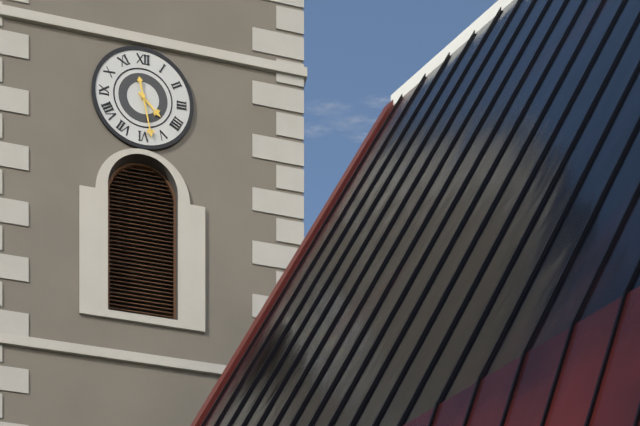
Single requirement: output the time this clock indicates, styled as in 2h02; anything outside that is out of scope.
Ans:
4h28
